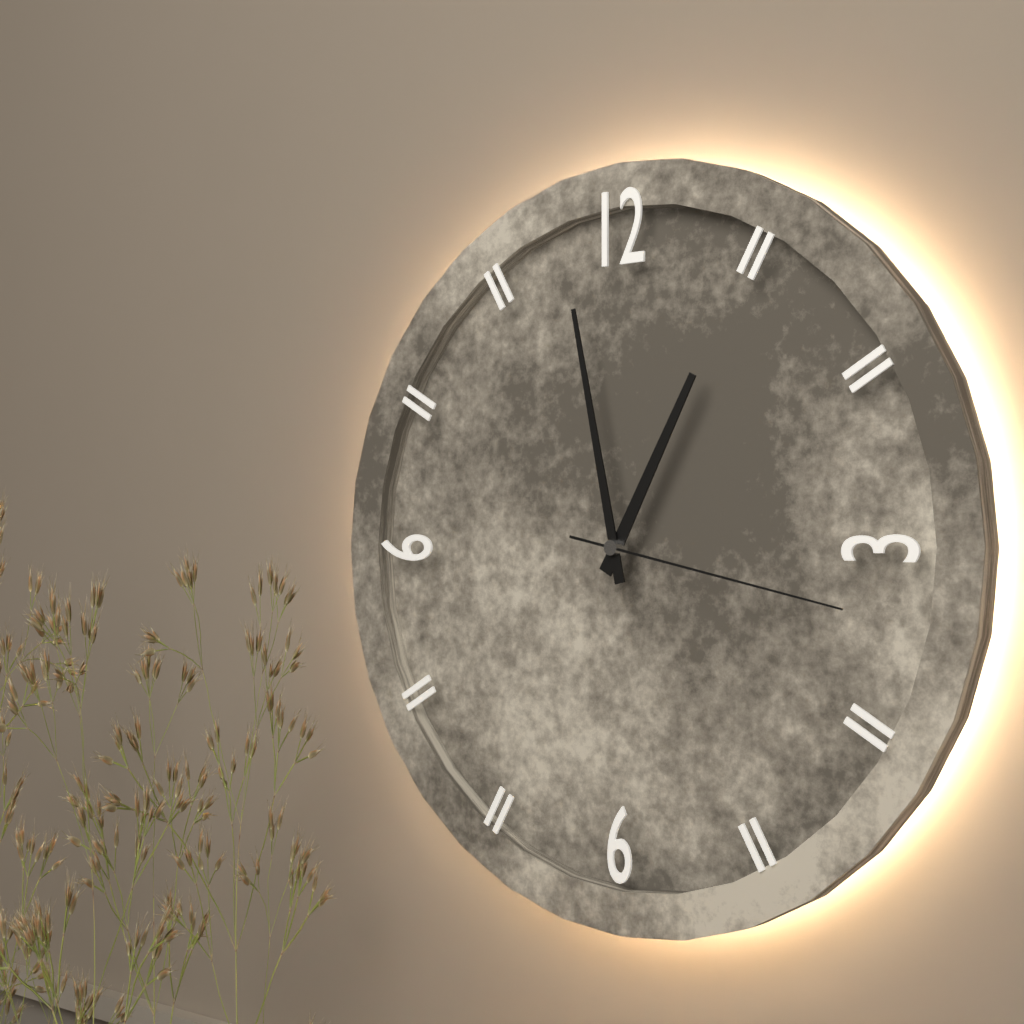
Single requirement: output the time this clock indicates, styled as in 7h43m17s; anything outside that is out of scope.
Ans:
12h58m17s
